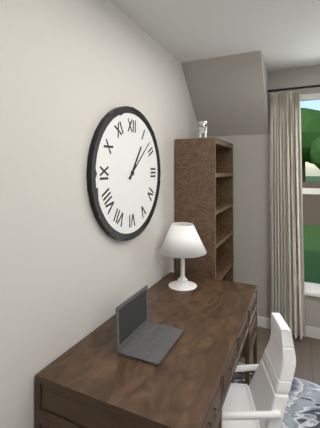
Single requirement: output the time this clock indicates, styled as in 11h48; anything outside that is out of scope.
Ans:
1h08
